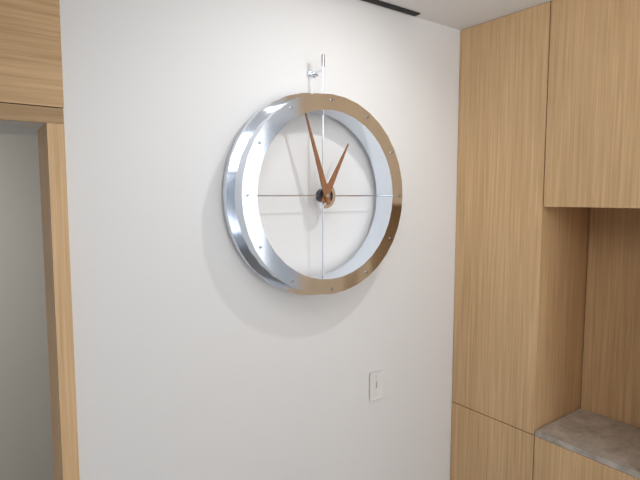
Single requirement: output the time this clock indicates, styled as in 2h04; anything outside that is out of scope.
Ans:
12h57
